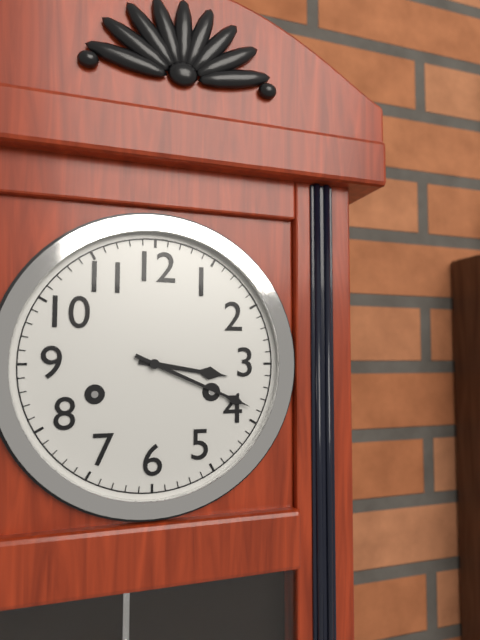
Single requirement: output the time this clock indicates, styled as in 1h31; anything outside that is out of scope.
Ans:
3h19
